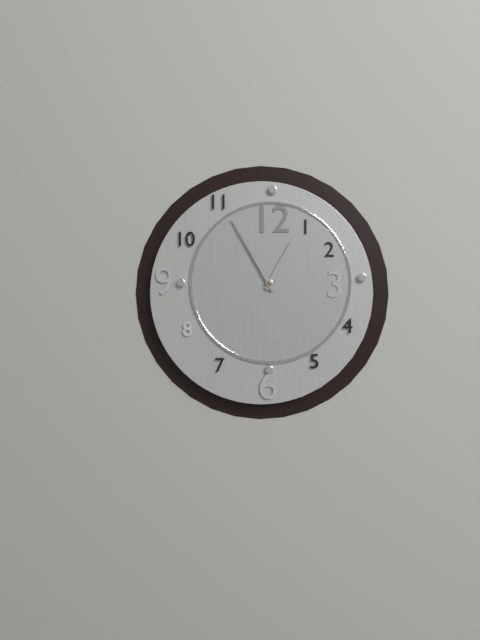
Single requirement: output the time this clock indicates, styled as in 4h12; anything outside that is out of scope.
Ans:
12h55
